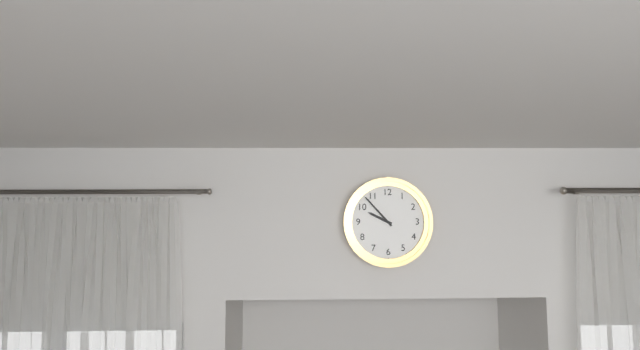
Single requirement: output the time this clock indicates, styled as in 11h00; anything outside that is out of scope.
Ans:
9h53
